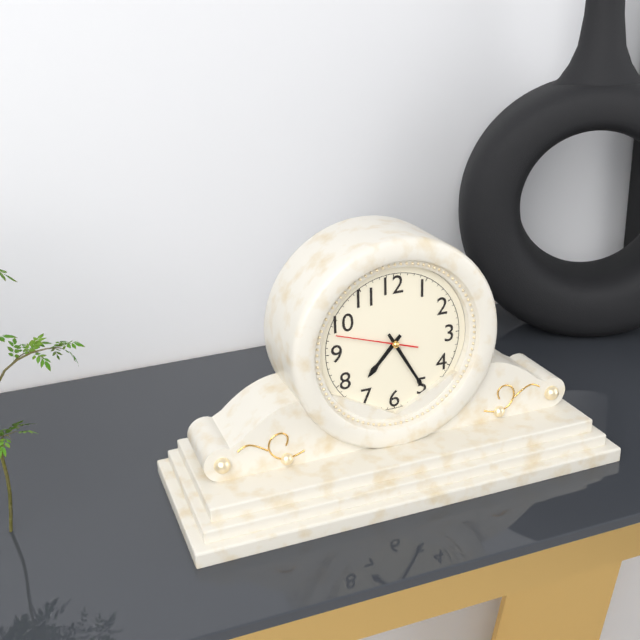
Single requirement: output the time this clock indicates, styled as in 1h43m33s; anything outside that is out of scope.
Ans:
7h25m48s
